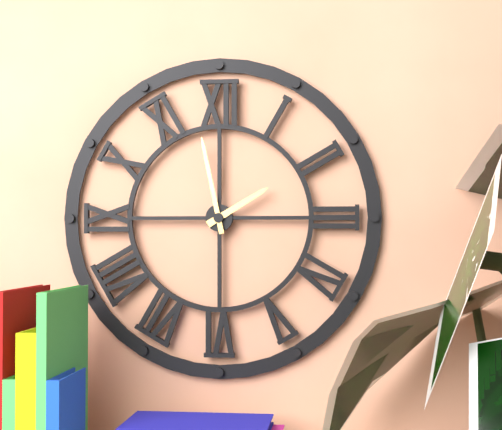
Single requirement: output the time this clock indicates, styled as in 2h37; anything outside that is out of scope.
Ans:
1h58
